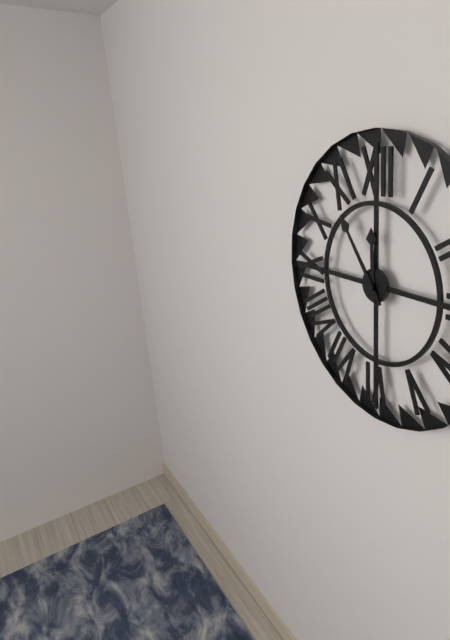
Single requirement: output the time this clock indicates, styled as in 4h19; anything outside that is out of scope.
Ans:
11h54
